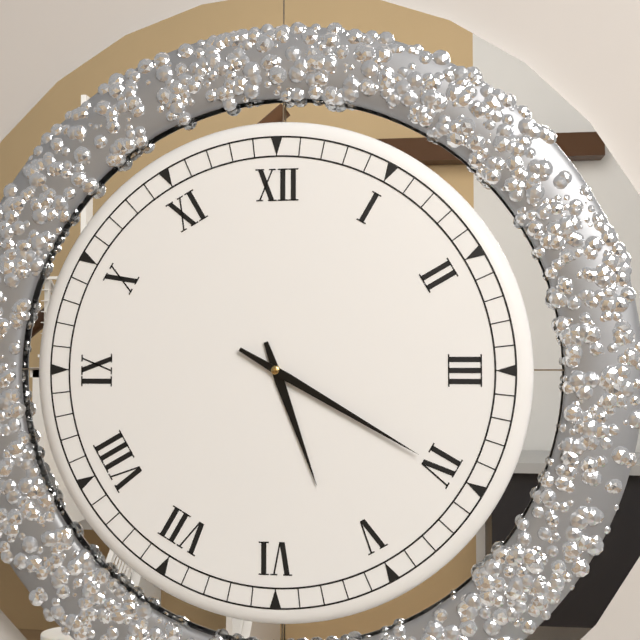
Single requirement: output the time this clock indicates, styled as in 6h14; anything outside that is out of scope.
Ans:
5h20
